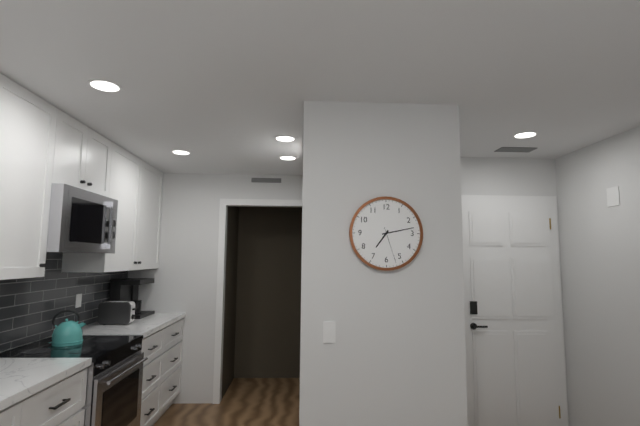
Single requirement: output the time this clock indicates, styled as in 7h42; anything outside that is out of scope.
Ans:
7h13
